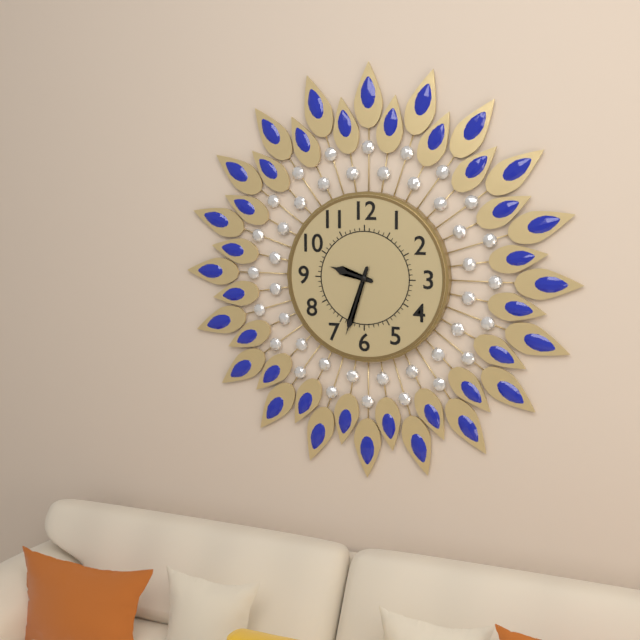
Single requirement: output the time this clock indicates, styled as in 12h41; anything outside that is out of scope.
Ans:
9h33
